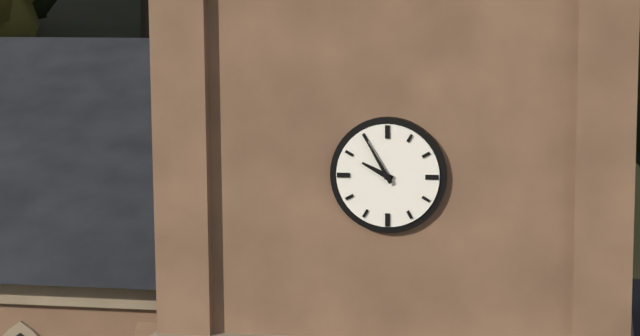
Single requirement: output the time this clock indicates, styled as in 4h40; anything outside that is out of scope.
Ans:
9h55
